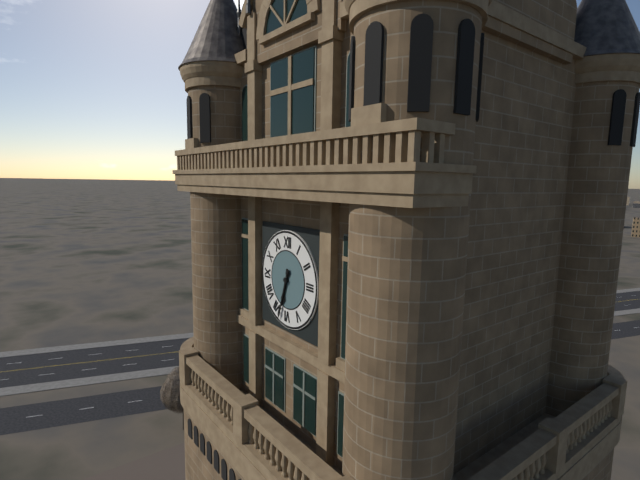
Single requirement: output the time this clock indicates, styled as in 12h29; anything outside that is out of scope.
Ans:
6h33
